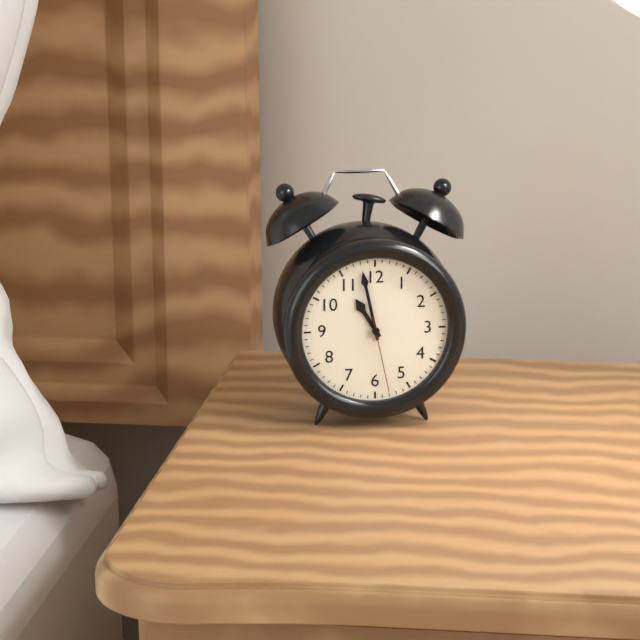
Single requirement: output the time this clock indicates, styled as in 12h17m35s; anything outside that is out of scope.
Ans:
10h58m28s
